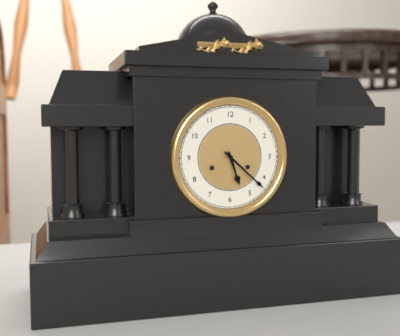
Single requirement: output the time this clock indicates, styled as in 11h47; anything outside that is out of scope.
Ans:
5h22
